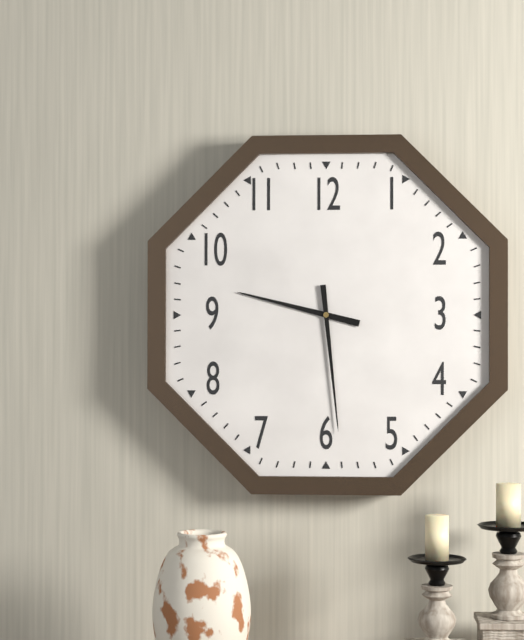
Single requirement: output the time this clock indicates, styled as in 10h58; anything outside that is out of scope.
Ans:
9h29
